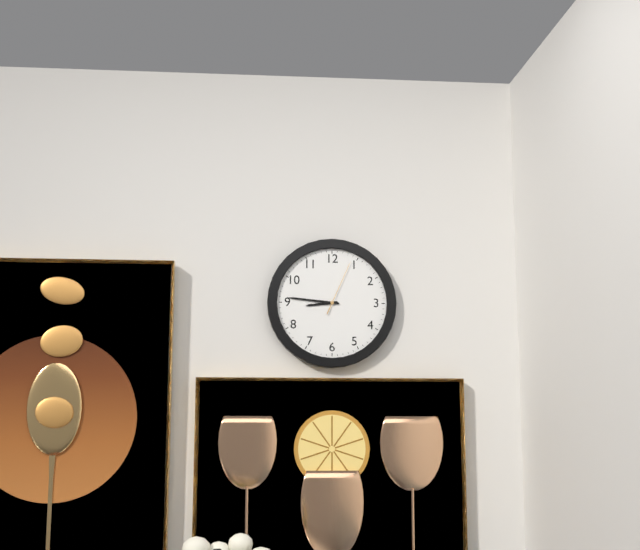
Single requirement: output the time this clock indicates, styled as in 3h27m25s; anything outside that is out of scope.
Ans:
8h46m04s
